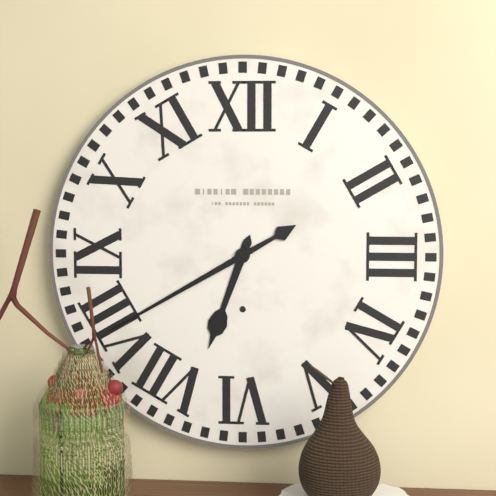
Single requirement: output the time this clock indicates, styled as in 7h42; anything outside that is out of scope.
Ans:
6h40
